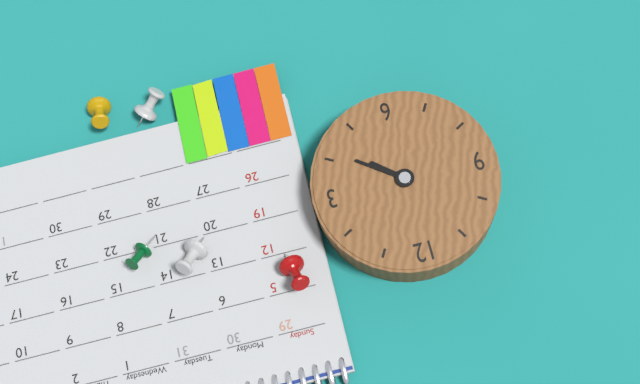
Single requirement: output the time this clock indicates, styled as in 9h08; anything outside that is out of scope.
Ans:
4h21
